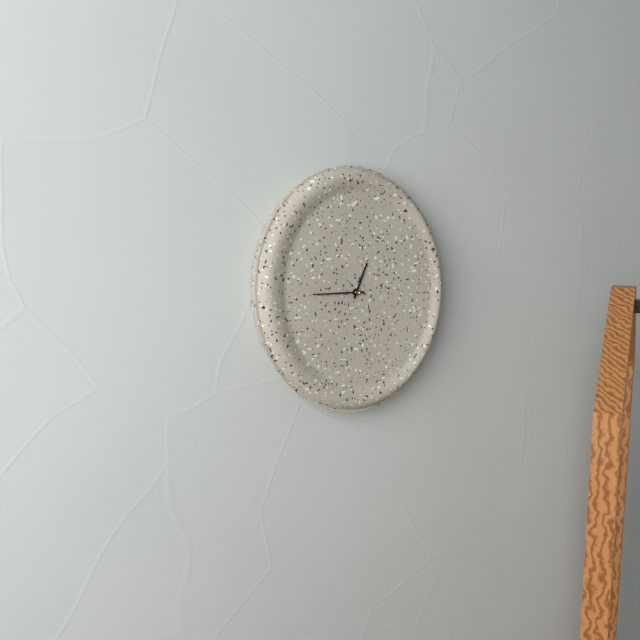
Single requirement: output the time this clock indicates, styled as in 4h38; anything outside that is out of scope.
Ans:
12h45
